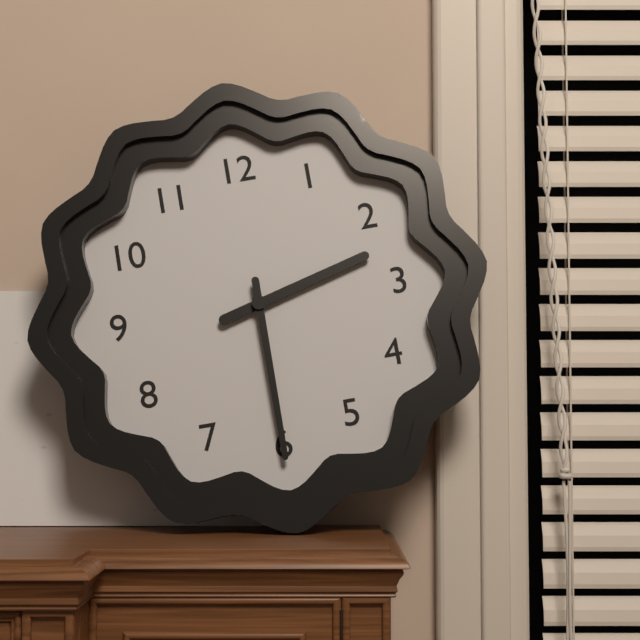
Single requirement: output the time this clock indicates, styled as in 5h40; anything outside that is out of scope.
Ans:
2h30
